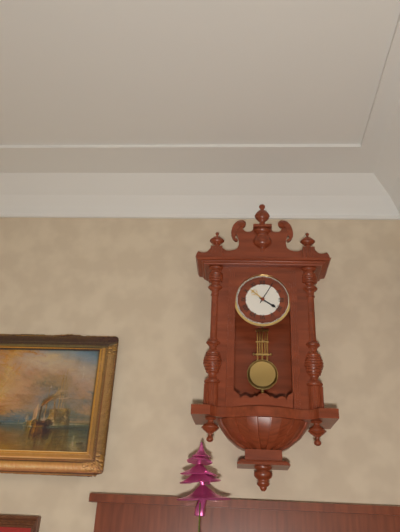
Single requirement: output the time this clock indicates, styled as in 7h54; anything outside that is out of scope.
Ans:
4h05
